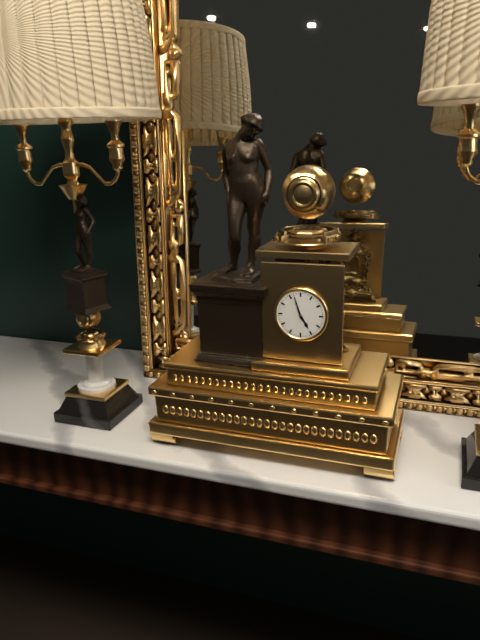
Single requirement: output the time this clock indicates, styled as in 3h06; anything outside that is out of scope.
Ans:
4h57
